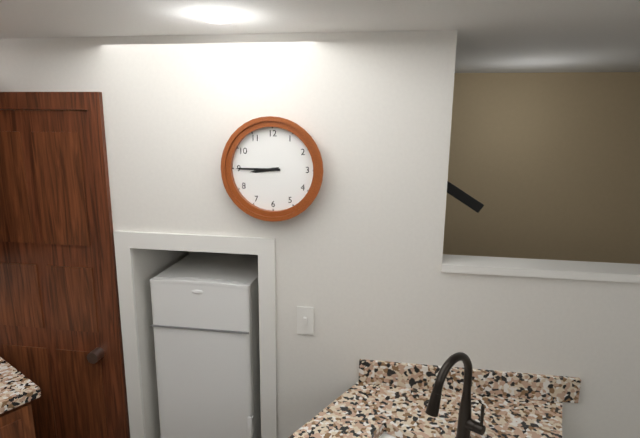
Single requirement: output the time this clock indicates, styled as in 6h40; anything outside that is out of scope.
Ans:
8h45
